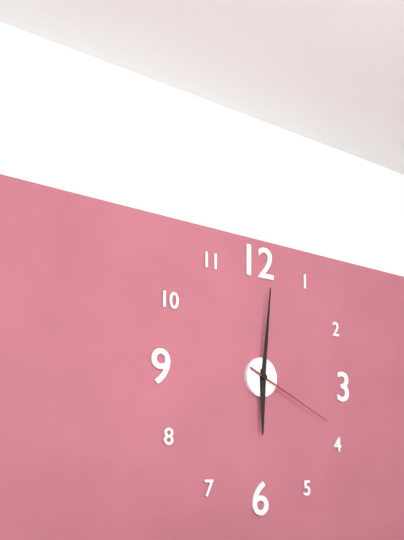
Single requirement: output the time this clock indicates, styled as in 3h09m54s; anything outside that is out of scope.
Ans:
6h01m19s
